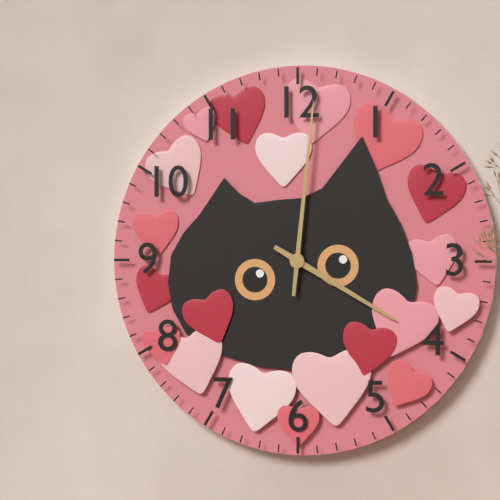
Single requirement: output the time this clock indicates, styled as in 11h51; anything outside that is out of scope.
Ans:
4h01
